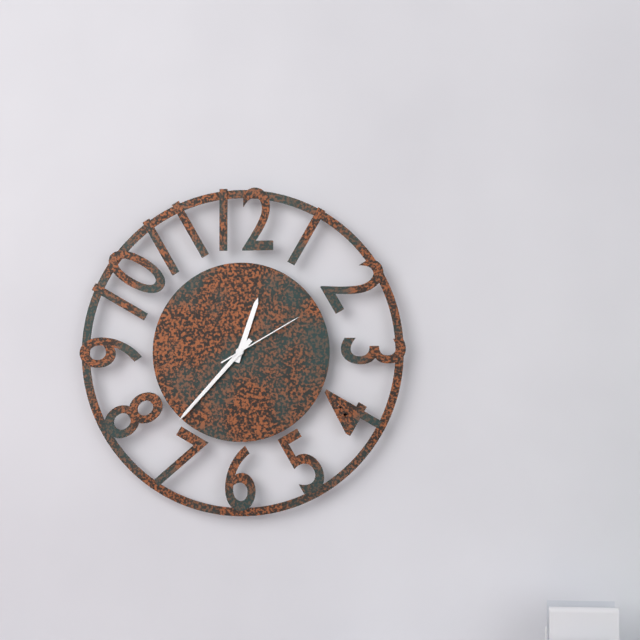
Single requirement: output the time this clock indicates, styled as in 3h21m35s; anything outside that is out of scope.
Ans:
12h37m10s
